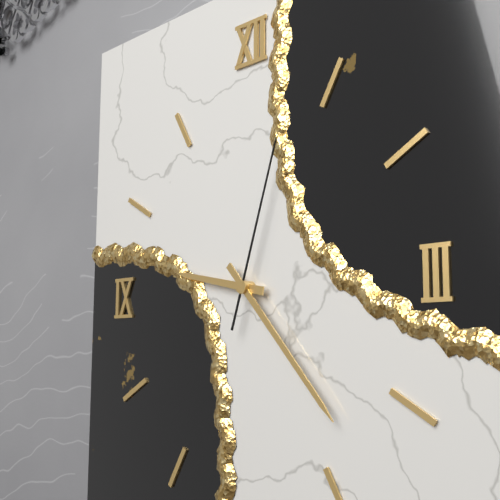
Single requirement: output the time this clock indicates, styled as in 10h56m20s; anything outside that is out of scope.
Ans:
9h23m03s
